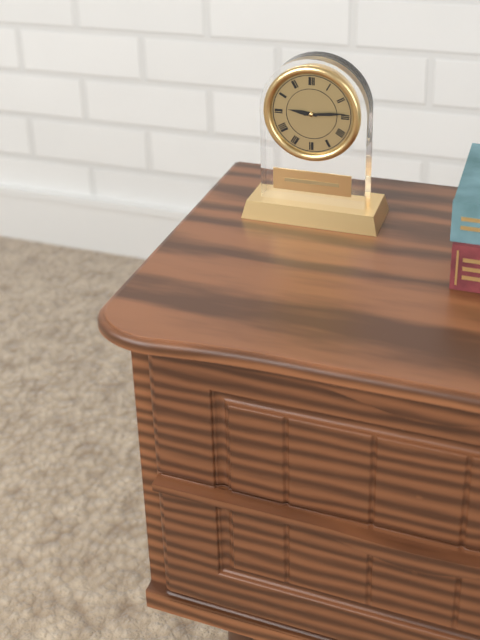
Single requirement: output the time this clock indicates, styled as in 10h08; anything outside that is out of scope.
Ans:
9h14
